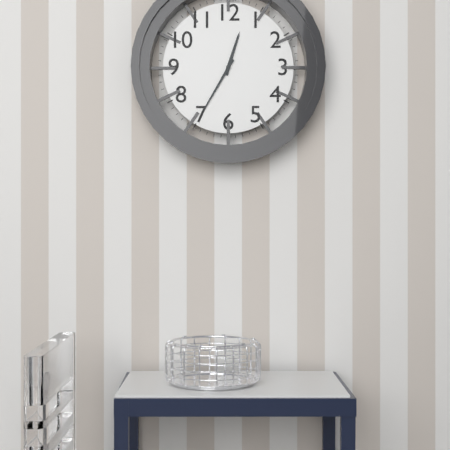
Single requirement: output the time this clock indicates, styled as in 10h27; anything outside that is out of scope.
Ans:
12h35
